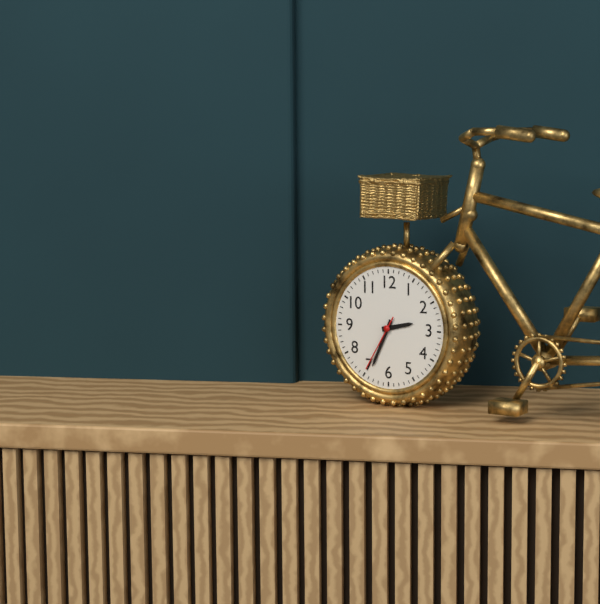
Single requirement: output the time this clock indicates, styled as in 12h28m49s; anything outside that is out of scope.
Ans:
2h34m35s
